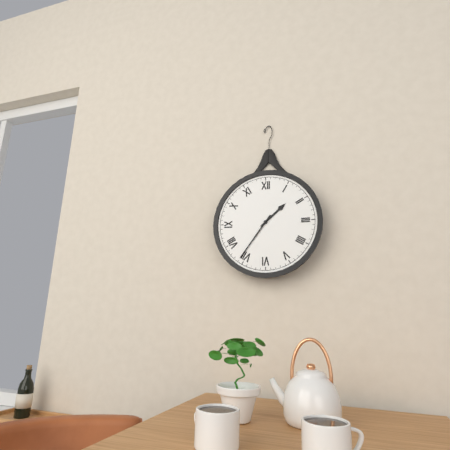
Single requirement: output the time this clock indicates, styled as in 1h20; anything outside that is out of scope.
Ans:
1h36
